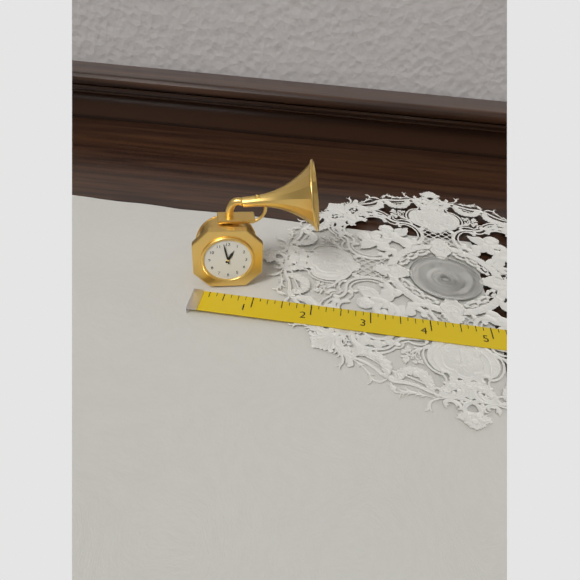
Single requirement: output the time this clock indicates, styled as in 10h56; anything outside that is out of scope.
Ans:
12h58
